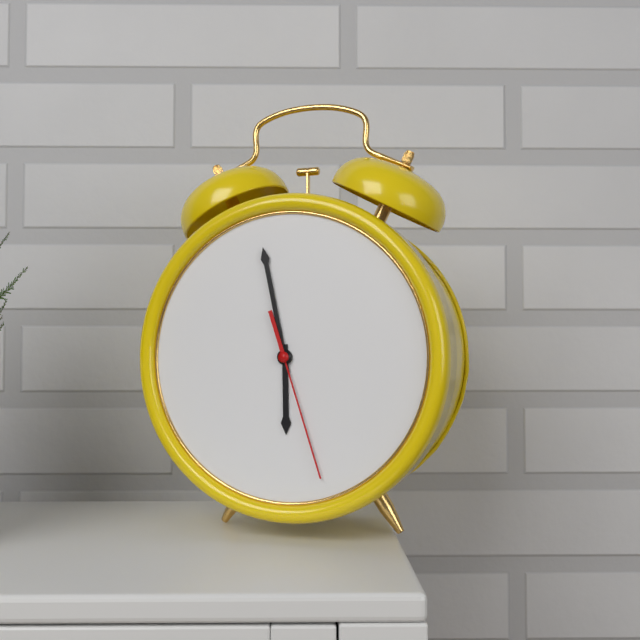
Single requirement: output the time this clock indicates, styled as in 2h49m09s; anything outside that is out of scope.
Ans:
5h58m27s
